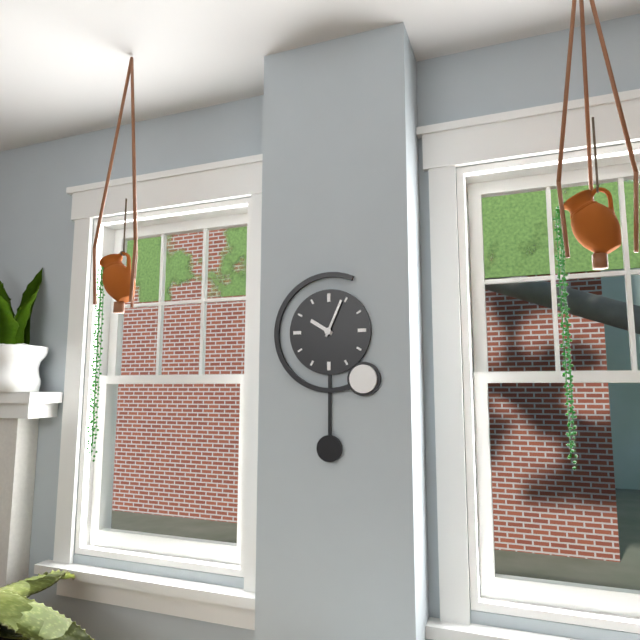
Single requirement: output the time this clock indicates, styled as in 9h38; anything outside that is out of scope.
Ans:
10h04
